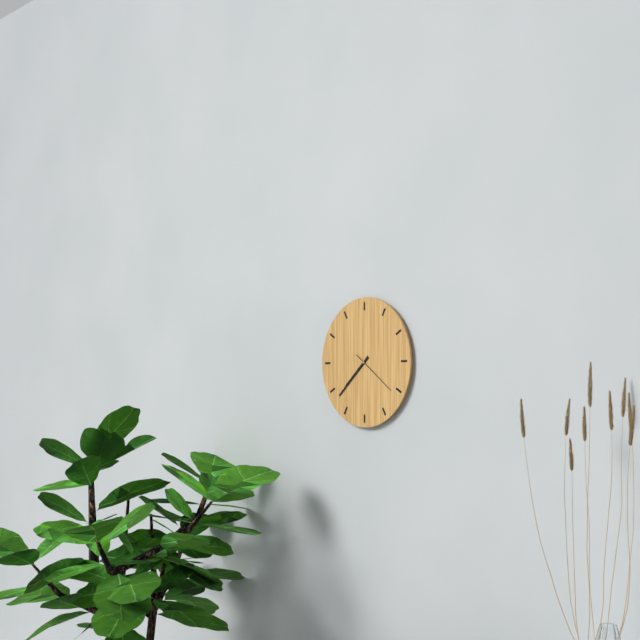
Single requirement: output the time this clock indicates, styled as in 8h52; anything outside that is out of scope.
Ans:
7h38
